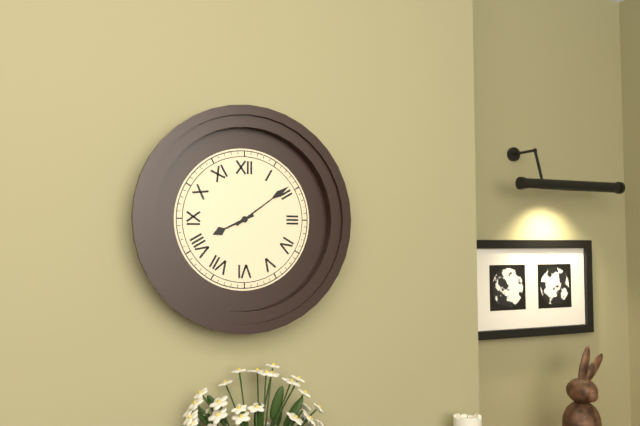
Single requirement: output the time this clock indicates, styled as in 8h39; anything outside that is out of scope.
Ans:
8h09
